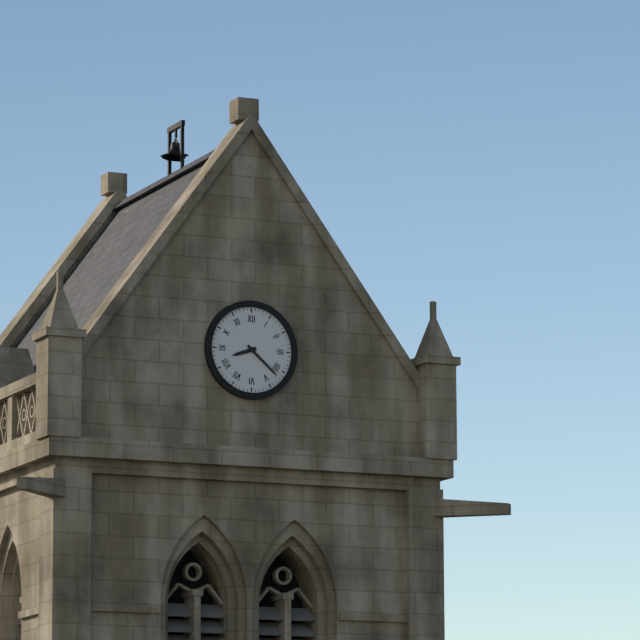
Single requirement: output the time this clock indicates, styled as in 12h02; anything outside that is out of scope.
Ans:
8h22
